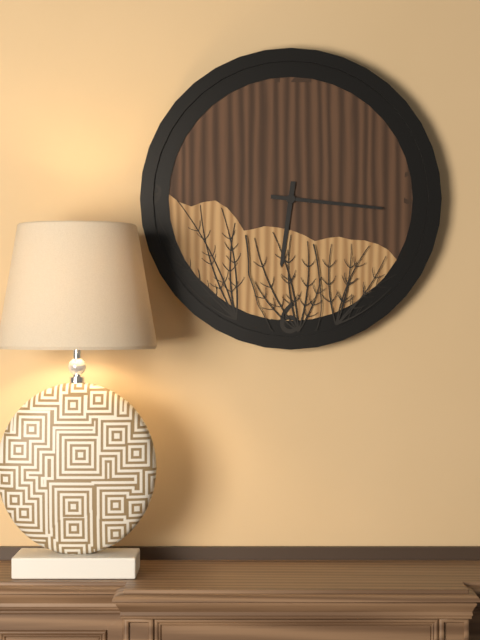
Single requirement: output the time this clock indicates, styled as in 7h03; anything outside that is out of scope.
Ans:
6h16
